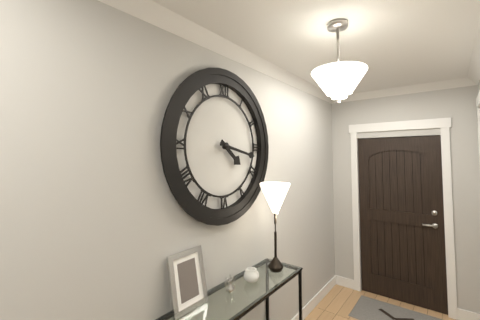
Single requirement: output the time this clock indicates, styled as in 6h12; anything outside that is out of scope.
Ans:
4h17
